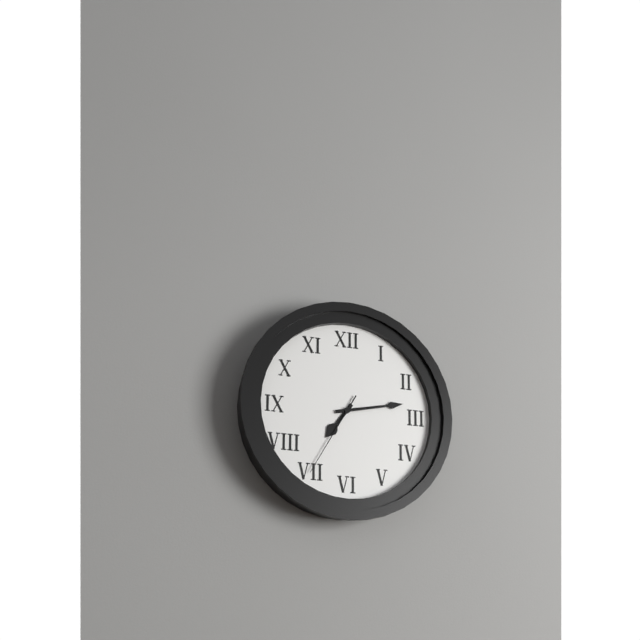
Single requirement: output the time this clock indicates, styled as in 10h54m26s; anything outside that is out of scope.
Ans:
7h13m35s
